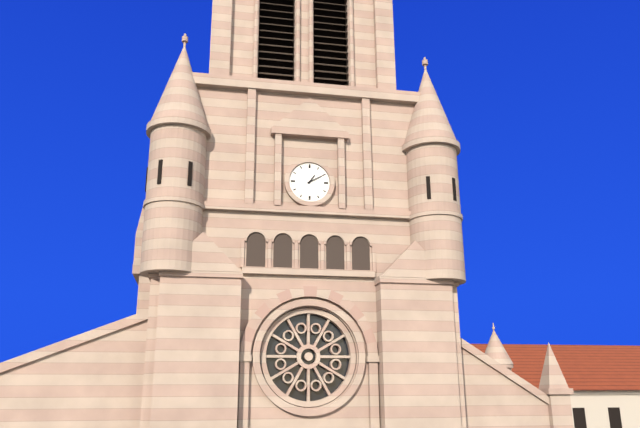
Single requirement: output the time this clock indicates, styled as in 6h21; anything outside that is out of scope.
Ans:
1h10
